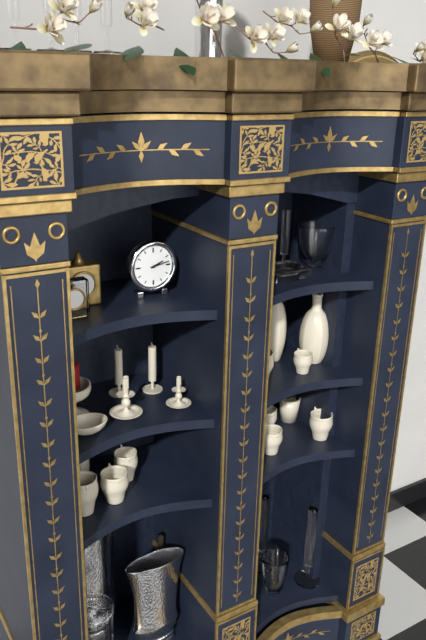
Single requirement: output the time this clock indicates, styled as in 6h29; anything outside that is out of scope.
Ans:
2h13
